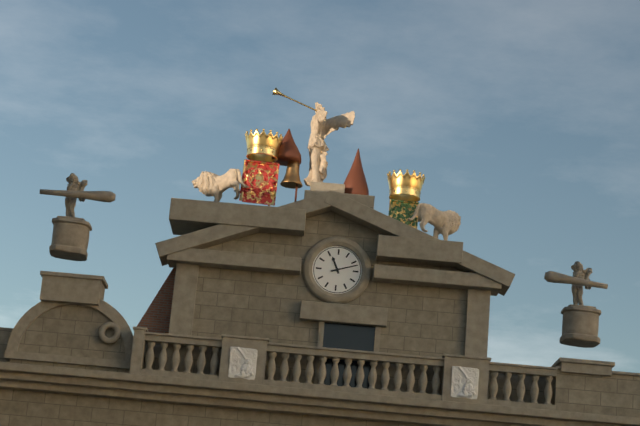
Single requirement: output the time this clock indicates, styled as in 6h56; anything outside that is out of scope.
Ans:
11h12
